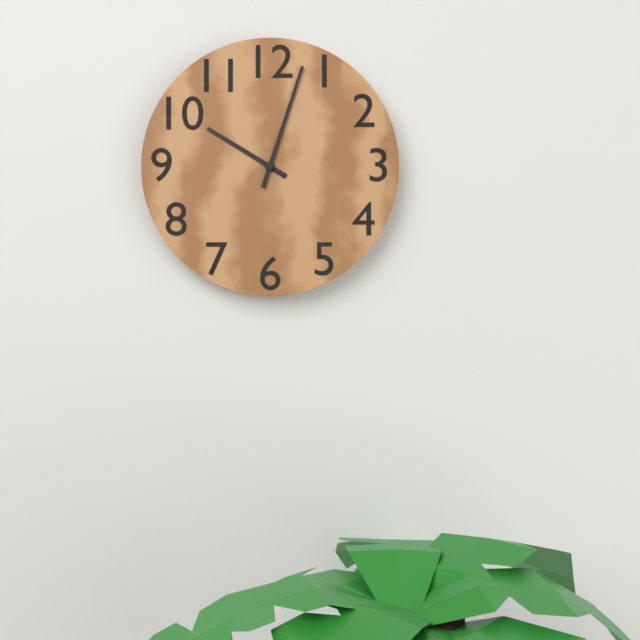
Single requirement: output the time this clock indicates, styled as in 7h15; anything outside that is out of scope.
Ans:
10h03
